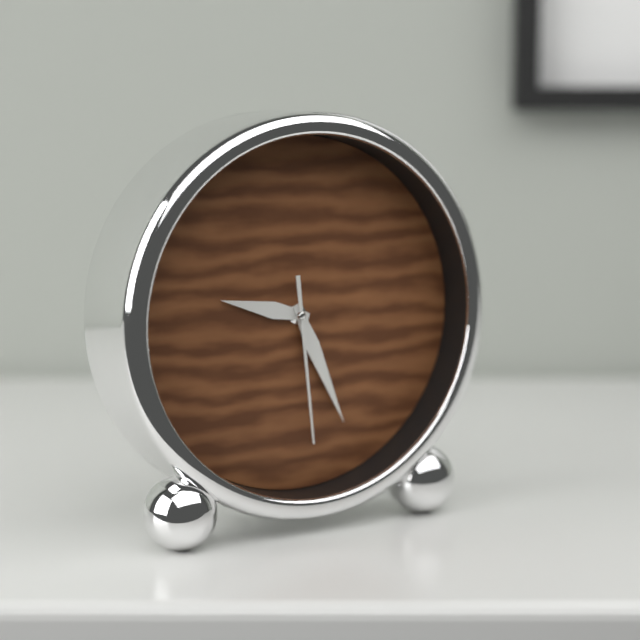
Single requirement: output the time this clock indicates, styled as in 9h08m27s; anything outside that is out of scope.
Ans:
9h26m29s
